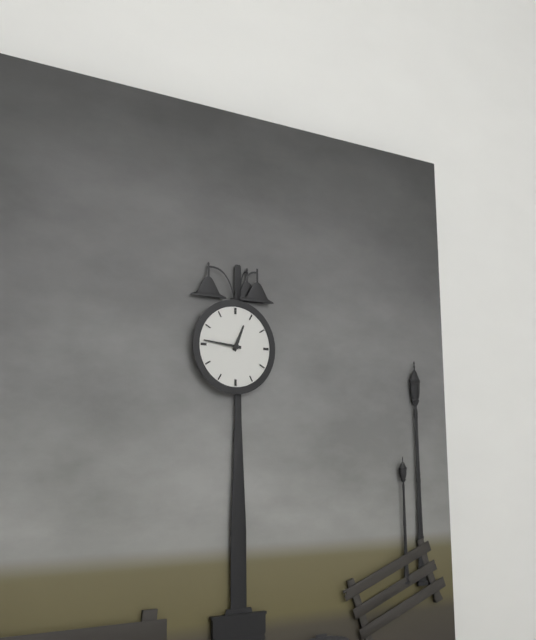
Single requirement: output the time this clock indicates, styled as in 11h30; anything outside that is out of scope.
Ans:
12h46
